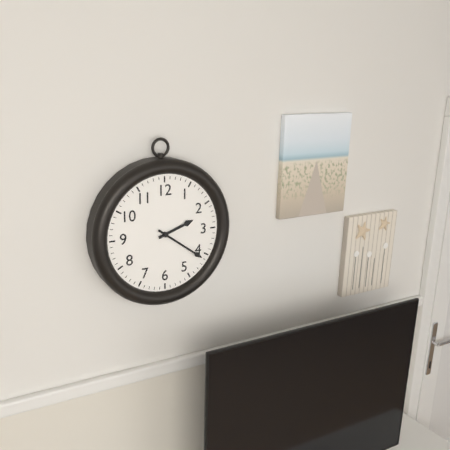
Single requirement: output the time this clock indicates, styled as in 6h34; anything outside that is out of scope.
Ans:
2h21
